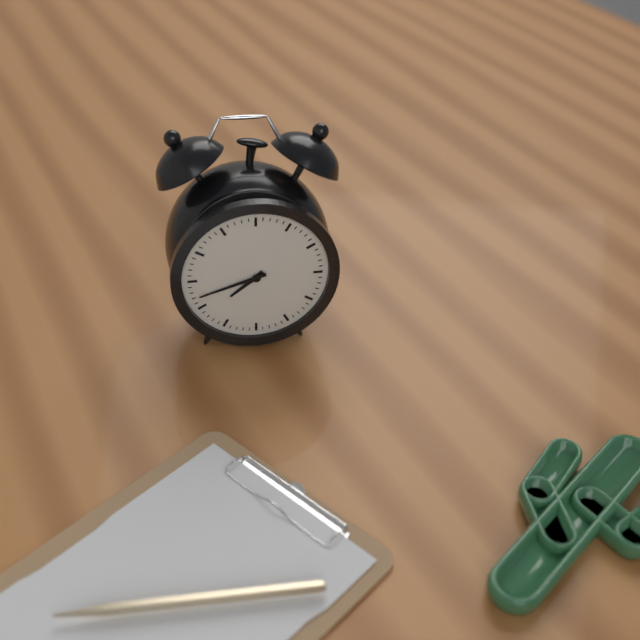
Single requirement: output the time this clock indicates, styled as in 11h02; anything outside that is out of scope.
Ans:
7h42
